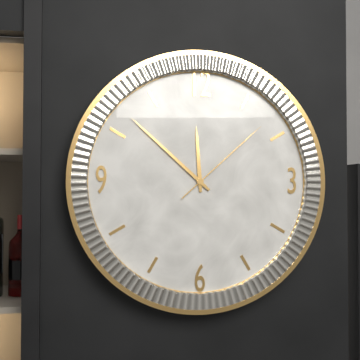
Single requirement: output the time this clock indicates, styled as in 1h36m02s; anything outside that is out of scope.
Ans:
11h52m08s
